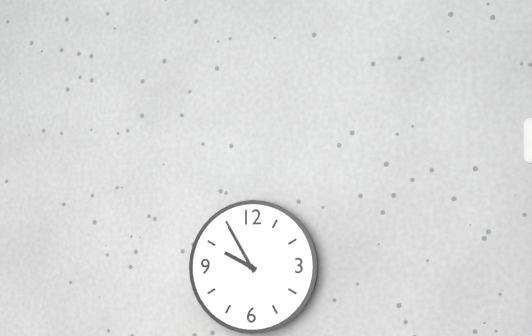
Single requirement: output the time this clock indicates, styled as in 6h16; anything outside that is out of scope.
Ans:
9h55
